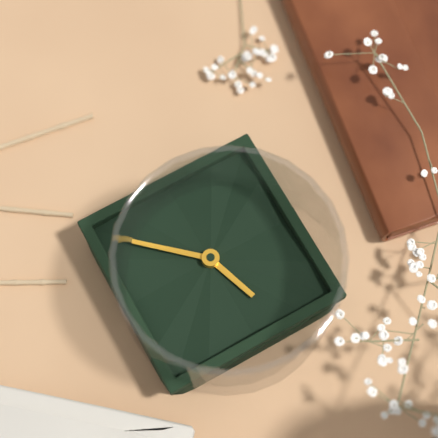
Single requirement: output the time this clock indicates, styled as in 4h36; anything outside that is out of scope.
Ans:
11h22
